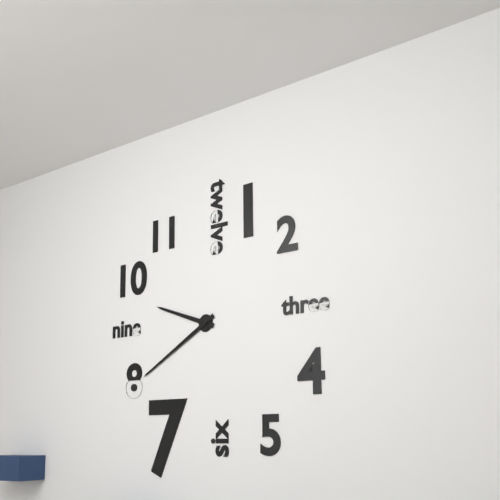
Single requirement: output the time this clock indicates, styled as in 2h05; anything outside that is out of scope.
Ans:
9h40
